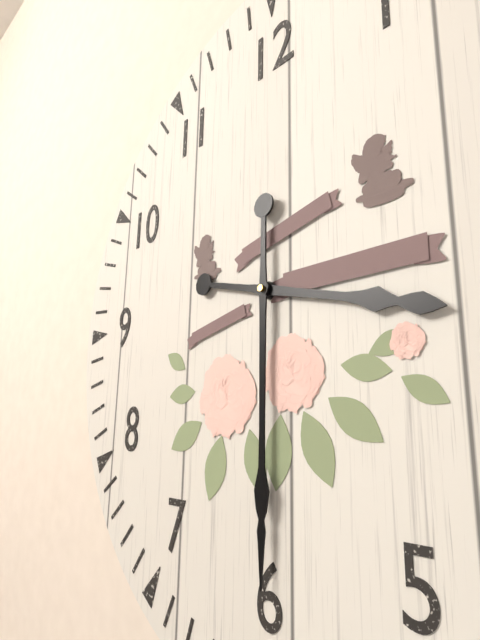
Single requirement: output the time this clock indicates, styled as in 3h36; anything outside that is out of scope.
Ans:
3h30
